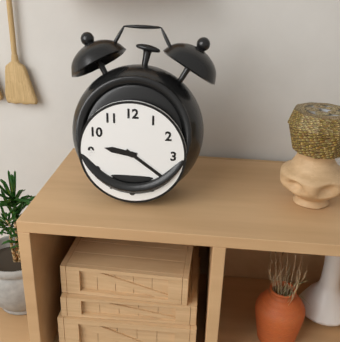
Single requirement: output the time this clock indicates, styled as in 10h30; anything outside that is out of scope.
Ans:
9h21
